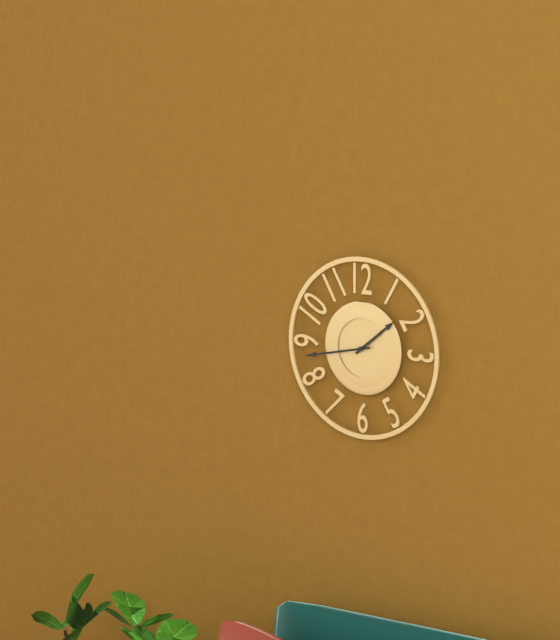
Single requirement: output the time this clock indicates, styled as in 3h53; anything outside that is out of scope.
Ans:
1h43
